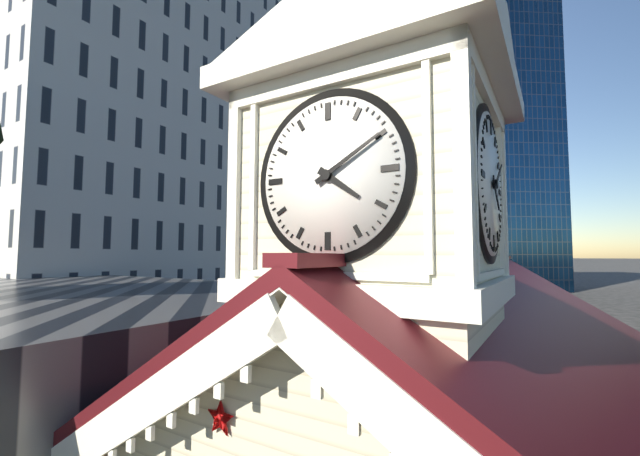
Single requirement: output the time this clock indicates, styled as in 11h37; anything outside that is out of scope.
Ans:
4h10
